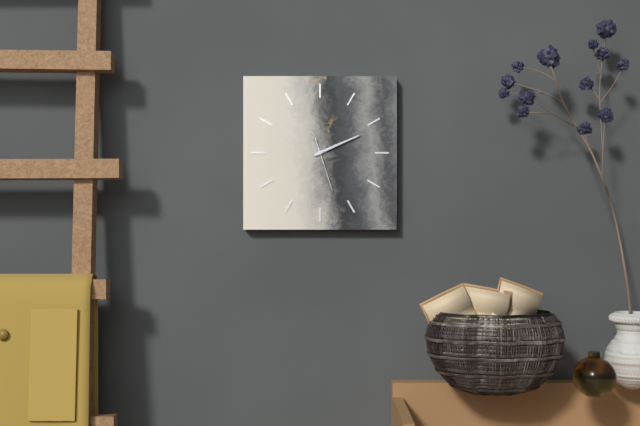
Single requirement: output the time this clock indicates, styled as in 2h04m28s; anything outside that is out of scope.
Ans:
2h11m27s
